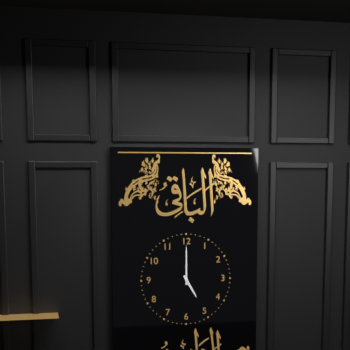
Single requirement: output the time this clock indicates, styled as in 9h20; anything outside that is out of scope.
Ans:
5h00
